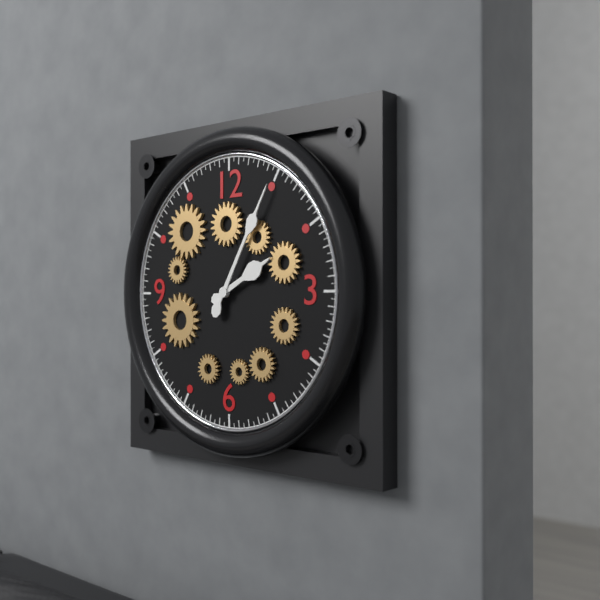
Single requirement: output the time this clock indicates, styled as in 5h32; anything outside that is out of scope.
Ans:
2h05
